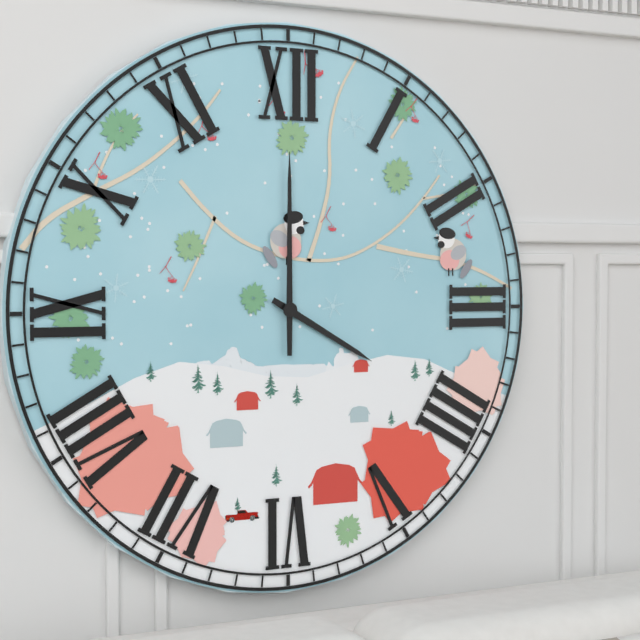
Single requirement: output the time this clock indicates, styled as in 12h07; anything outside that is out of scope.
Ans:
4h00
